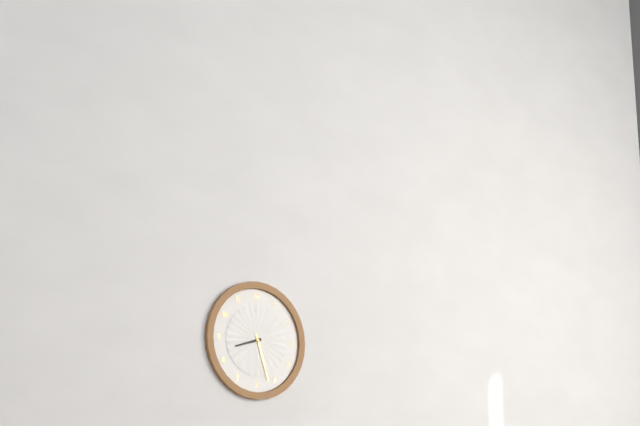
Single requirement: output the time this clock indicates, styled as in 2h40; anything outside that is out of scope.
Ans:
8h27
